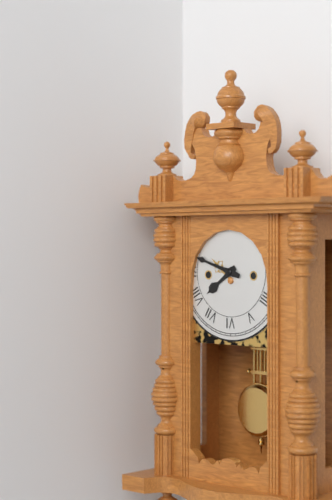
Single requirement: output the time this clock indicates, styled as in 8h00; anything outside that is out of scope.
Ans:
7h48
